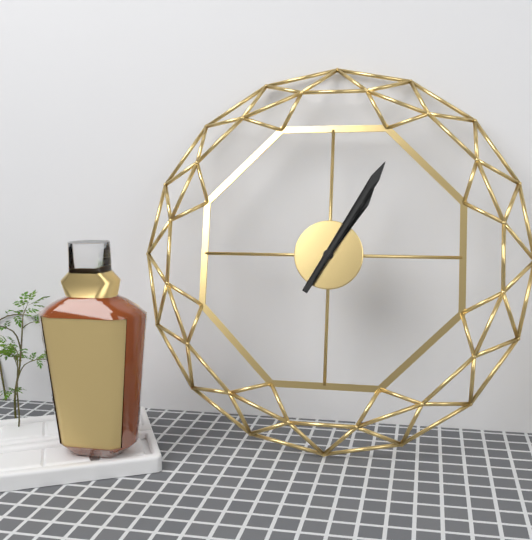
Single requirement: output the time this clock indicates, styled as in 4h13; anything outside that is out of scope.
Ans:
1h05
